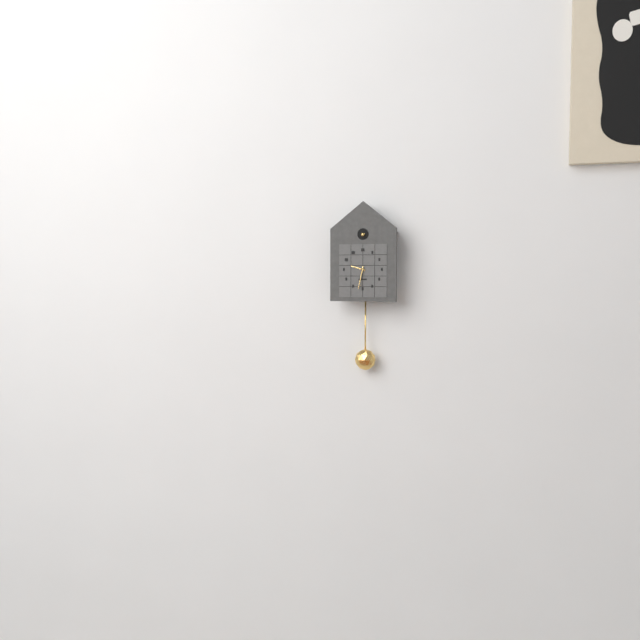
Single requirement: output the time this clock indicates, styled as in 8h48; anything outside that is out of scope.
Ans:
9h32
